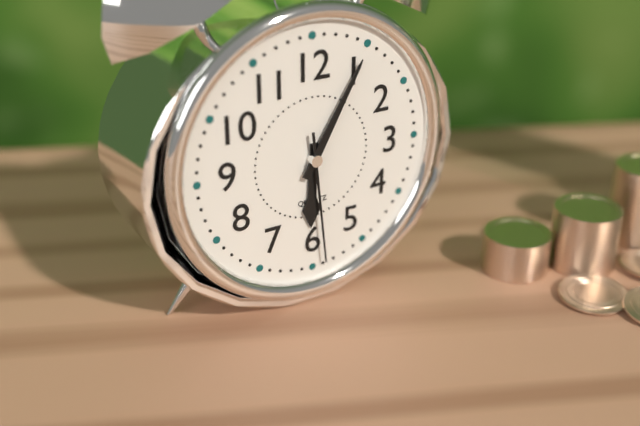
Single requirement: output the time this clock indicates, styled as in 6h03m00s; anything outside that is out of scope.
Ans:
6h05m29s
